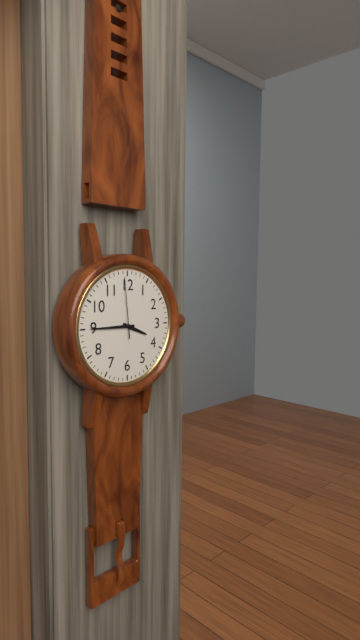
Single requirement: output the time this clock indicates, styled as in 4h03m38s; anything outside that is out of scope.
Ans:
3h45m59s
